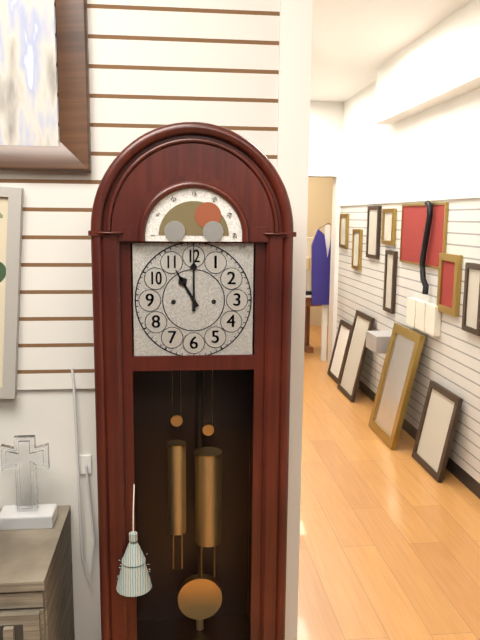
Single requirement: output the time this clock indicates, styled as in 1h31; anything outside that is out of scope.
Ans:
11h00
